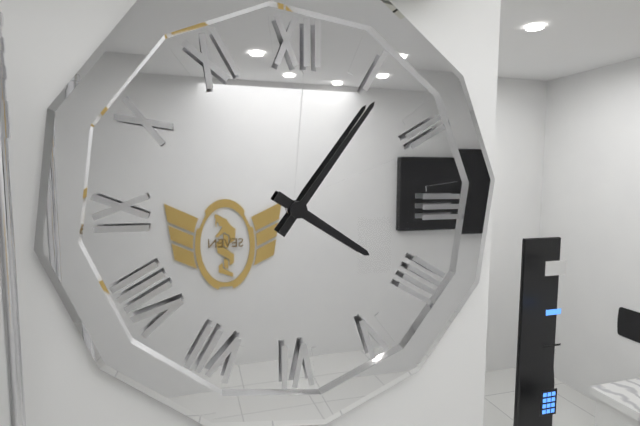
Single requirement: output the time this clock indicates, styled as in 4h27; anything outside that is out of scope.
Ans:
4h06
